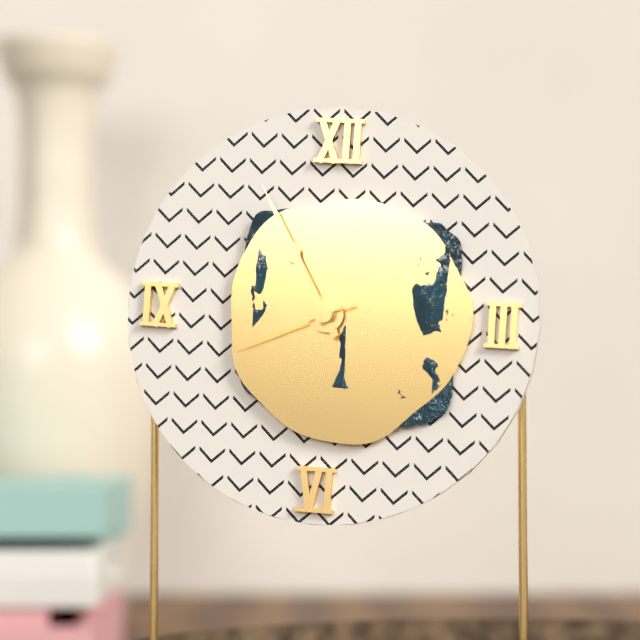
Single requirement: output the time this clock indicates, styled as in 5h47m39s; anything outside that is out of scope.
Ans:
10h55m41s
